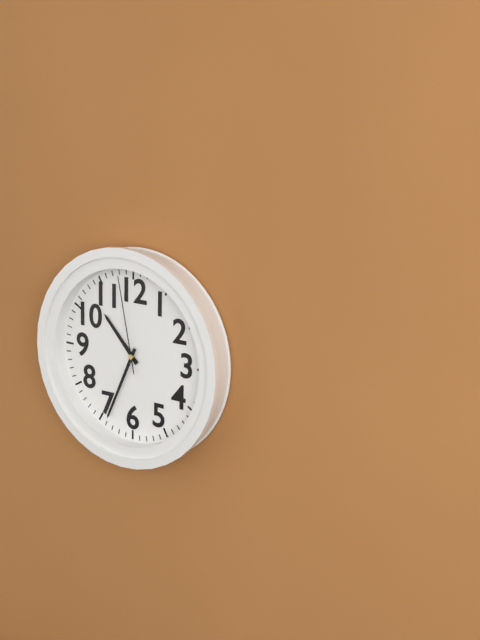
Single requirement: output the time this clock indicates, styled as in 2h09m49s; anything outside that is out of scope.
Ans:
10h34m58s
